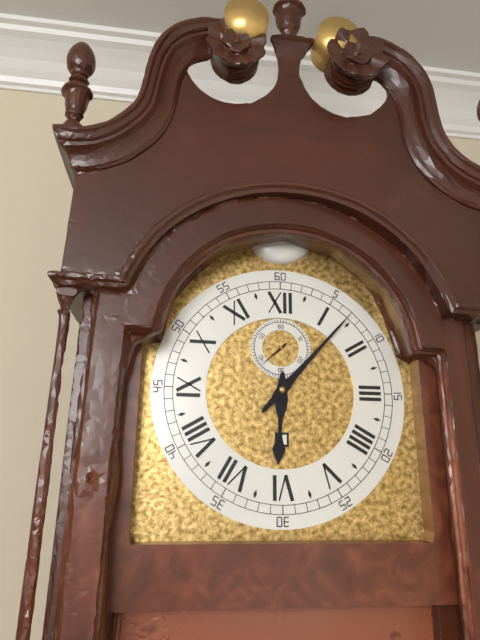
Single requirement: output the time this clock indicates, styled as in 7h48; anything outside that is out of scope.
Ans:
6h07
